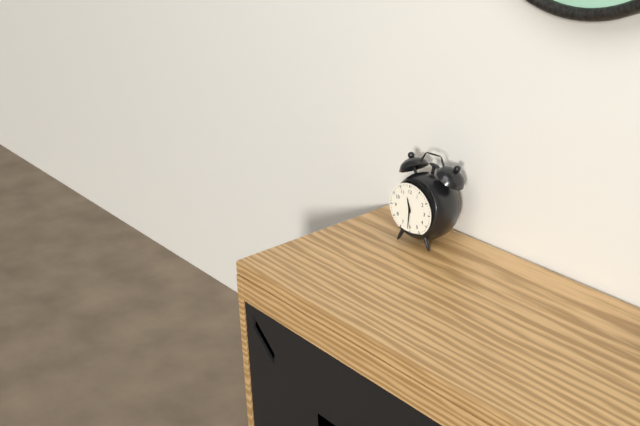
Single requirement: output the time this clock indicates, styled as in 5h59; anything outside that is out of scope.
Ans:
11h31
